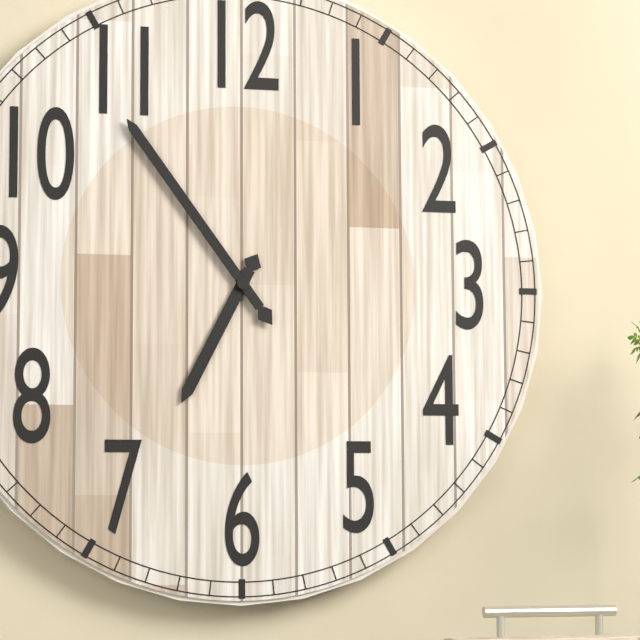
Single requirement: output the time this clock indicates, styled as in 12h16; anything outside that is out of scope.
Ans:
6h54
